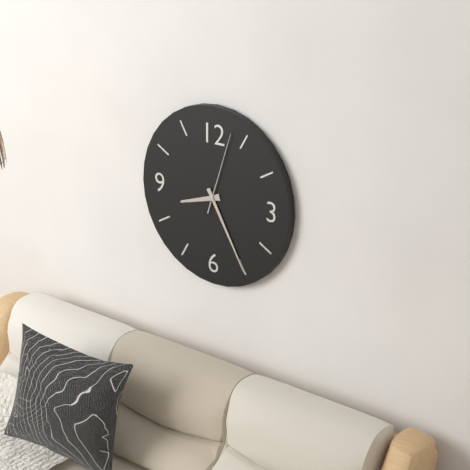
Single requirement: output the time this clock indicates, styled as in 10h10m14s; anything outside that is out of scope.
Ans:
8h25m03s
